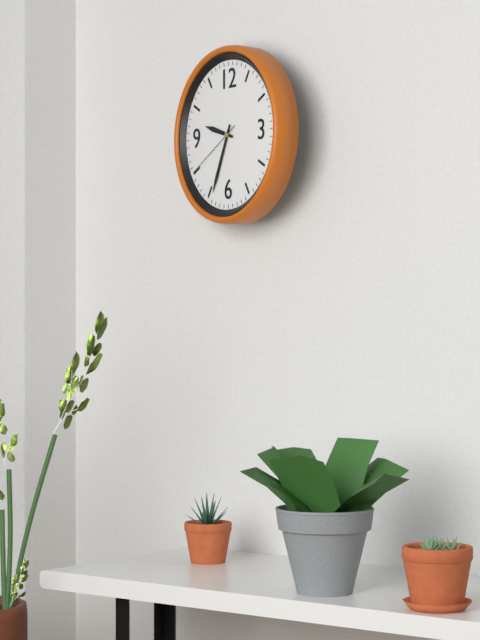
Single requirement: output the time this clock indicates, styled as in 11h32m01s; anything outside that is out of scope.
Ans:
9h34m40s
